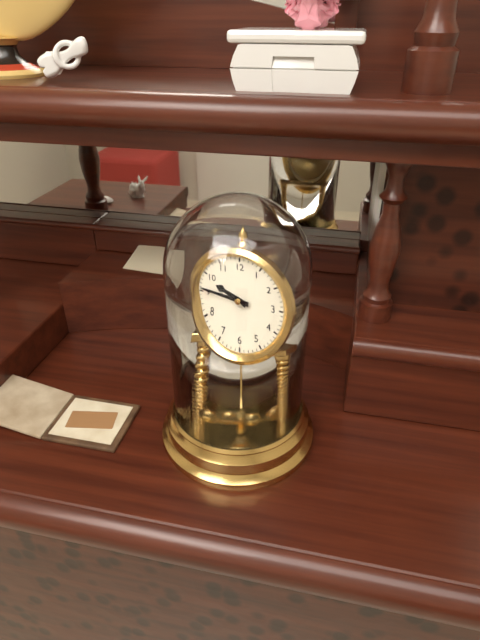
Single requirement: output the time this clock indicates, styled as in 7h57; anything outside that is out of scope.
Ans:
9h46
